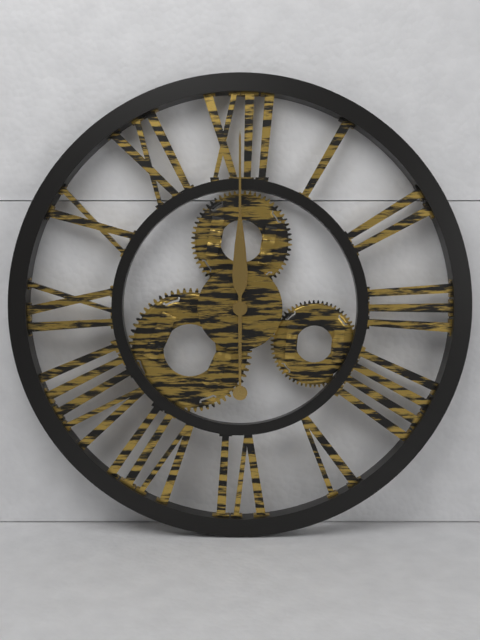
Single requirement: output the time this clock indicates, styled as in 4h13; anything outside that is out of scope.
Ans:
6h00
